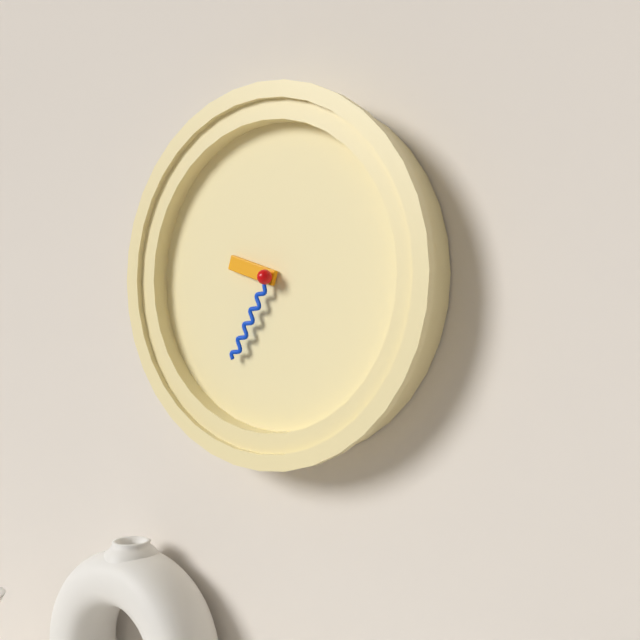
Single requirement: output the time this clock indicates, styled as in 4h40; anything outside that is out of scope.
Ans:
9h35
